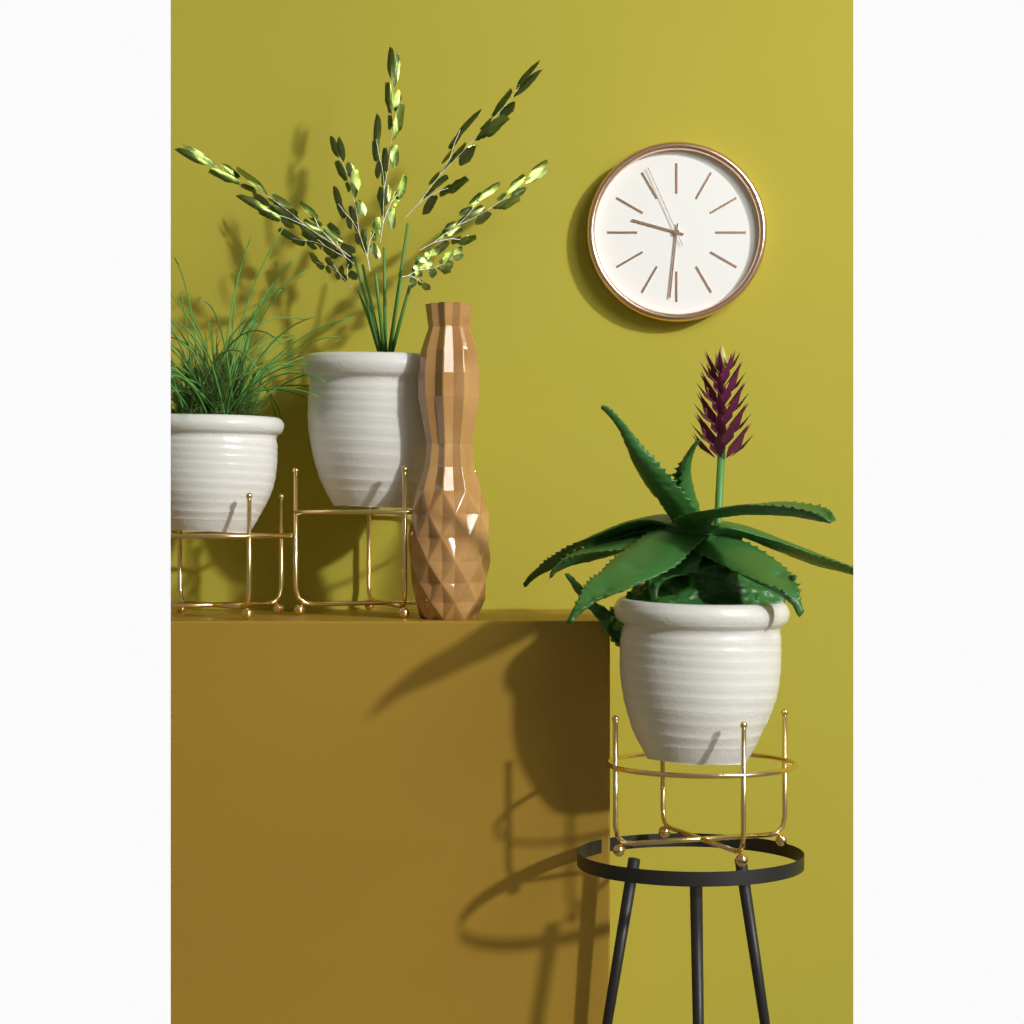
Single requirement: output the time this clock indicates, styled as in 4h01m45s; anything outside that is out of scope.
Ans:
9h31m56s
